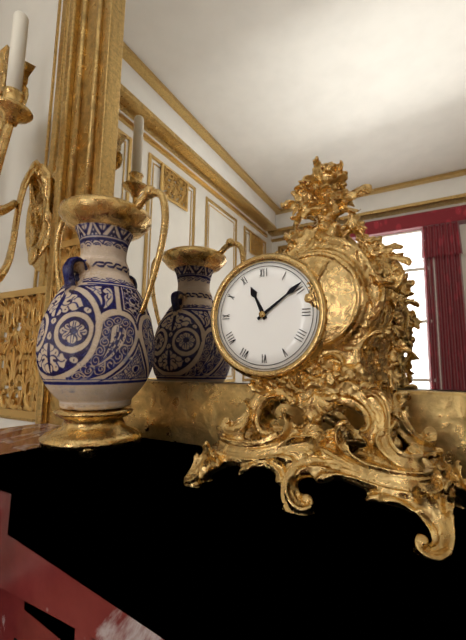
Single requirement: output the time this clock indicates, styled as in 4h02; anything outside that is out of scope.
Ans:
11h09
